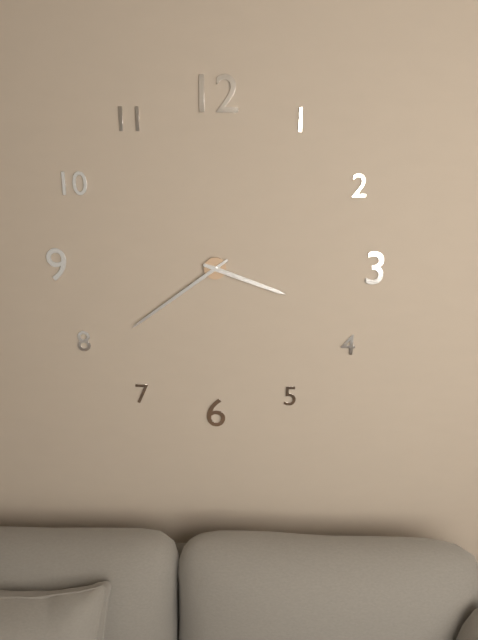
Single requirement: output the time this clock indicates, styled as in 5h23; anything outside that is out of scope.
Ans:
3h39
